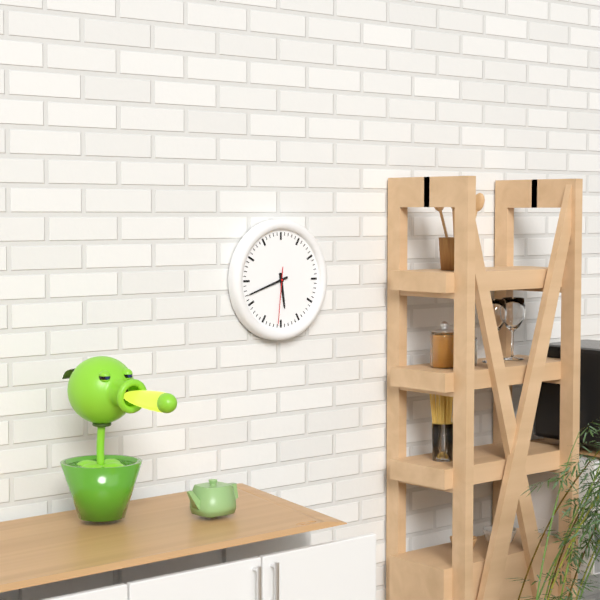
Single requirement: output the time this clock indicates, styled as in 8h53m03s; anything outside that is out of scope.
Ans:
5h42m31s
